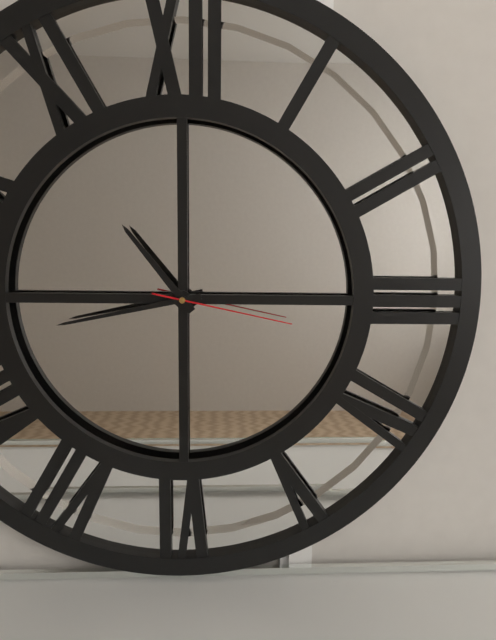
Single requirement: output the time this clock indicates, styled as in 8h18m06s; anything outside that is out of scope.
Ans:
10h43m17s
